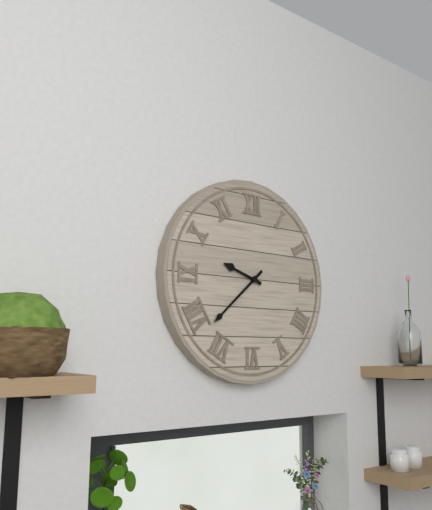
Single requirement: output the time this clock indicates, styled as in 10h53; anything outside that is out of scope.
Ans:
9h38
